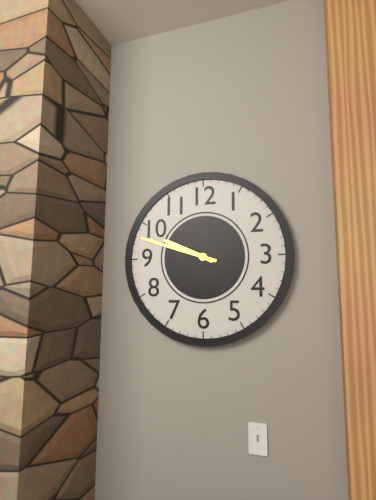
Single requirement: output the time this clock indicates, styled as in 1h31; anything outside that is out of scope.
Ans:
9h48
